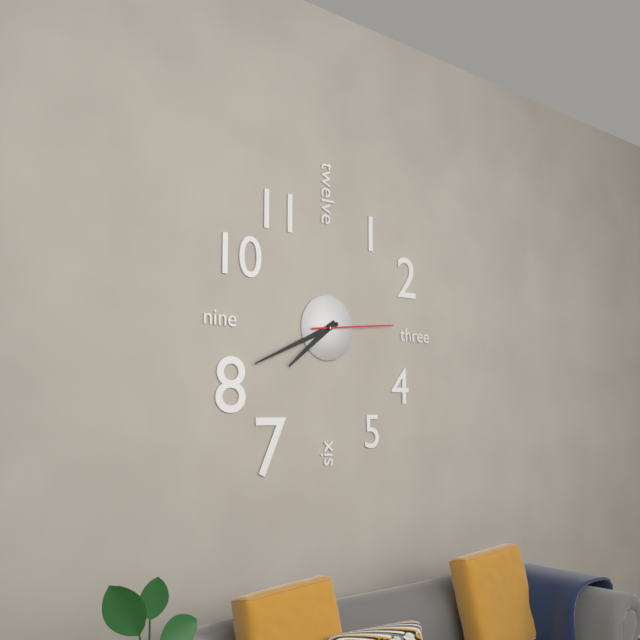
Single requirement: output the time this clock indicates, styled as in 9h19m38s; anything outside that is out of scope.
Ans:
7h41m14s
